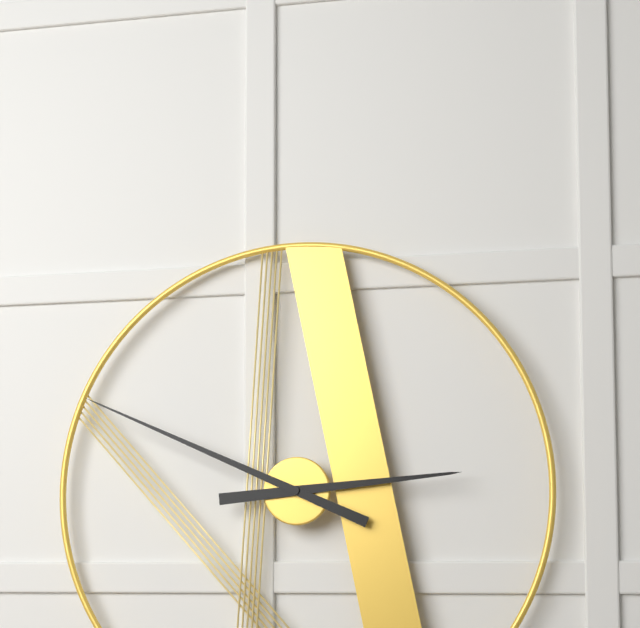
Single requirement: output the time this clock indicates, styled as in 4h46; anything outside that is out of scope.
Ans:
2h49
